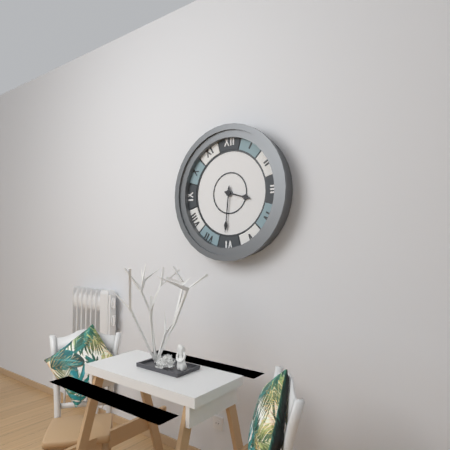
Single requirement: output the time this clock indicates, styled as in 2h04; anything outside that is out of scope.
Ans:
3h31
